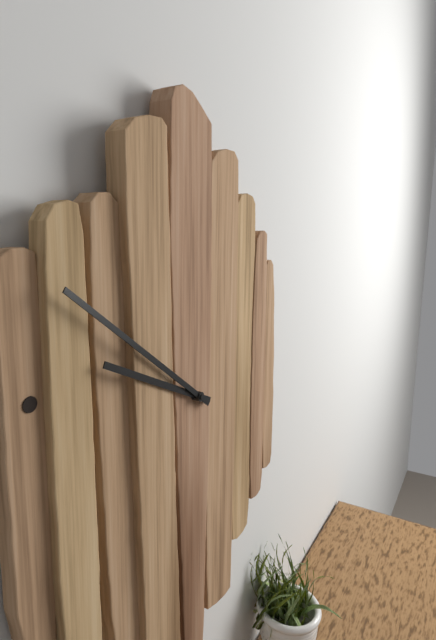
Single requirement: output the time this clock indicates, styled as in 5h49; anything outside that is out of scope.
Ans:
9h51
